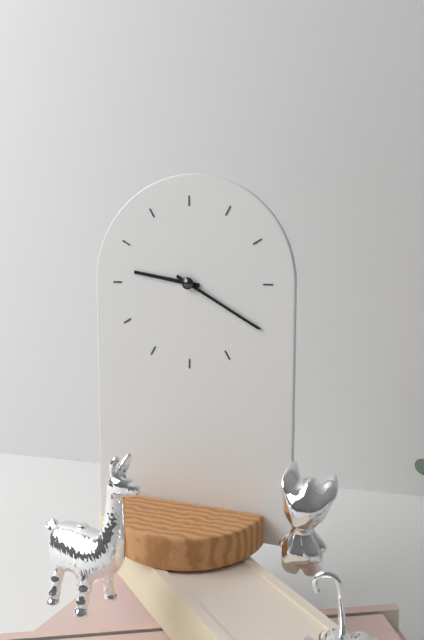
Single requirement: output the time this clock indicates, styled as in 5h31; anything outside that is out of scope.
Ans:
9h20
